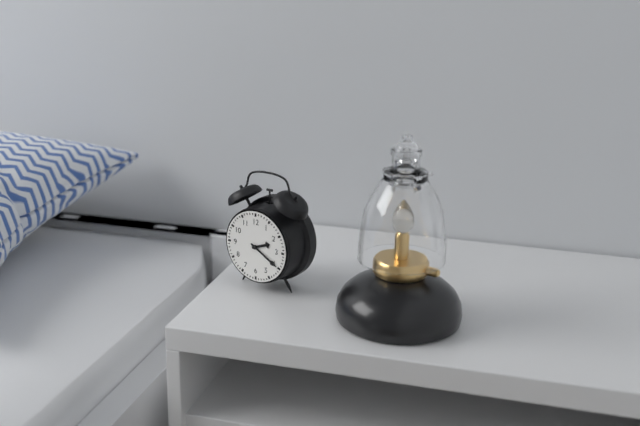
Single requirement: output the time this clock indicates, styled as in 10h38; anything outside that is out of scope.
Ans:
2h20
